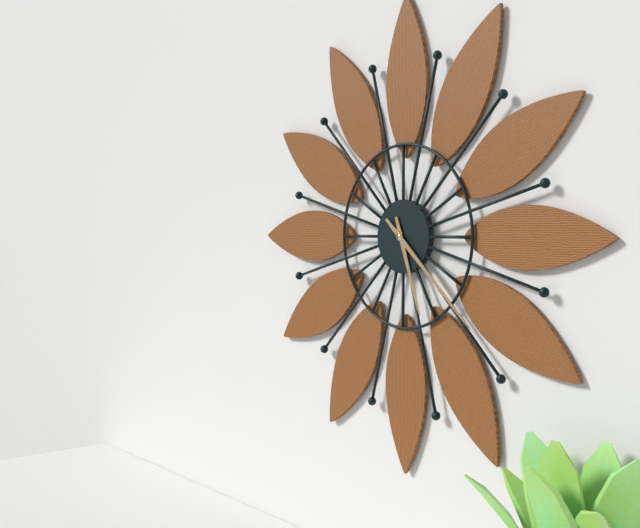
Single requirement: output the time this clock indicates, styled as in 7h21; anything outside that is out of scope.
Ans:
5h22
